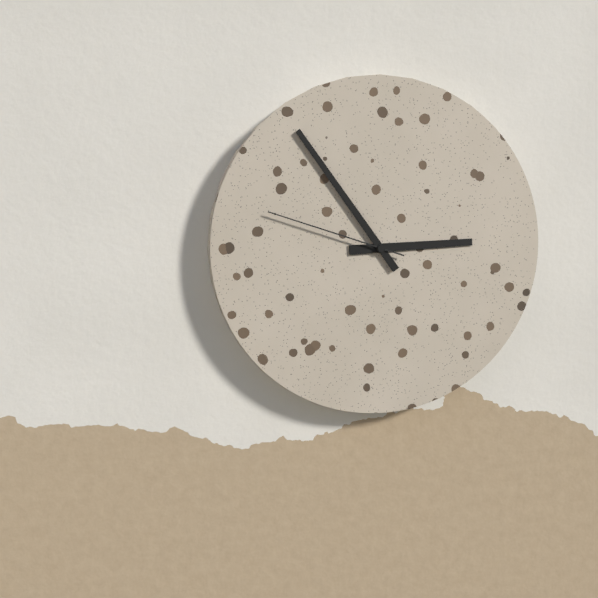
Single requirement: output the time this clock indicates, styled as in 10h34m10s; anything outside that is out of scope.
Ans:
2h54m48s
